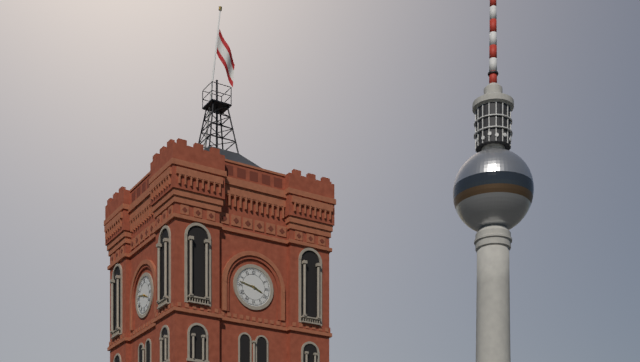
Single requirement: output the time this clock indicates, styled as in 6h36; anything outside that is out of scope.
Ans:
3h47
